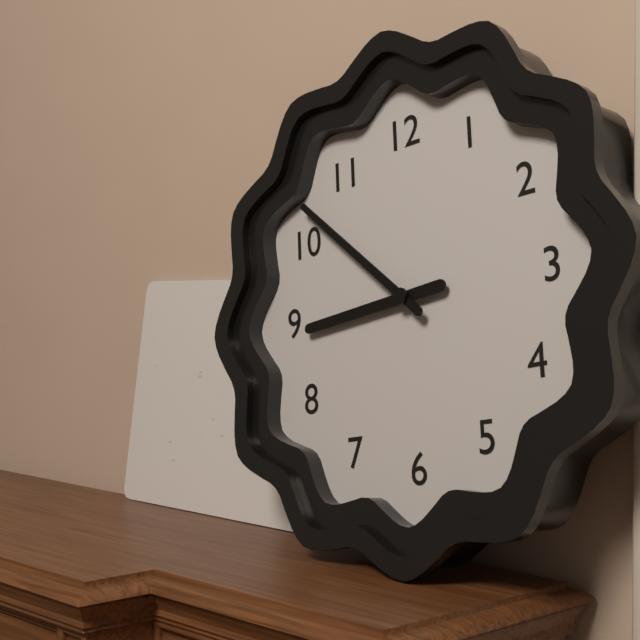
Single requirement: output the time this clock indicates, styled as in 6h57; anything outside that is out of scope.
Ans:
8h52
